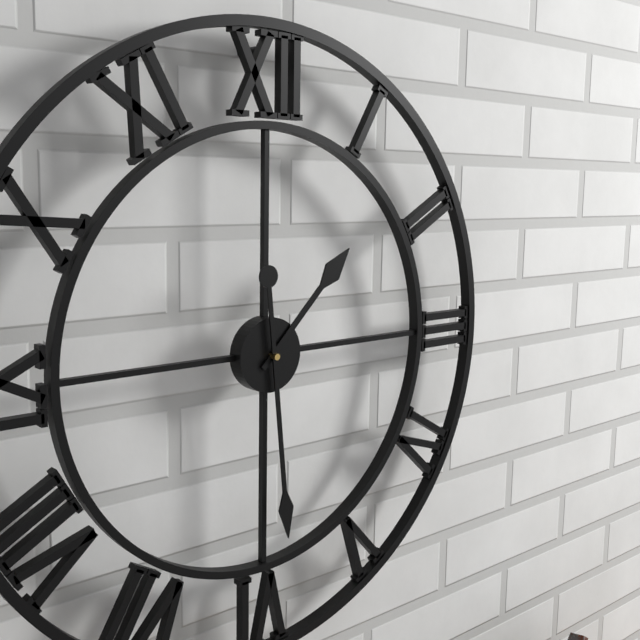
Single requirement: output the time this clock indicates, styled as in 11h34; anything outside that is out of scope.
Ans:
1h29
